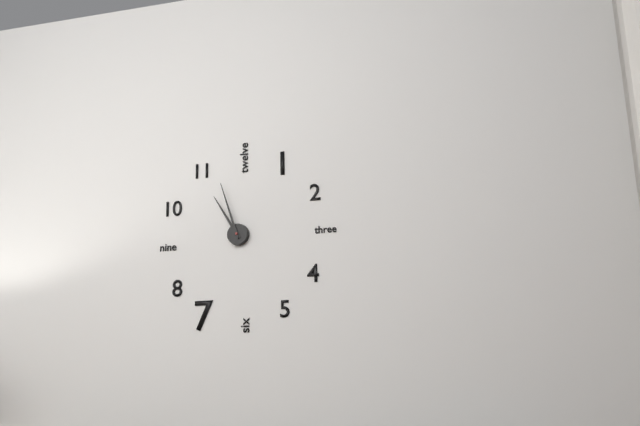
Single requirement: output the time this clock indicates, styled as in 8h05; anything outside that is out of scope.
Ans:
10h57
